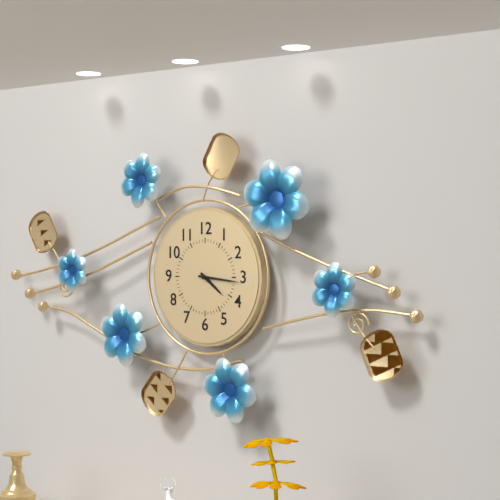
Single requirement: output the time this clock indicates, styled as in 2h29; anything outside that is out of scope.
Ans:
4h16
